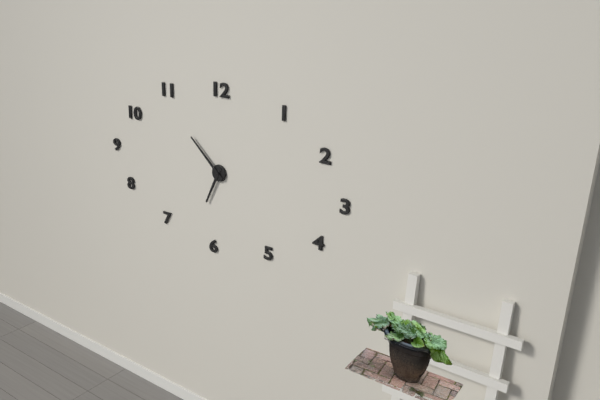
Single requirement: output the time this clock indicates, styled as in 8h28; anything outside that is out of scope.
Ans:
6h52
